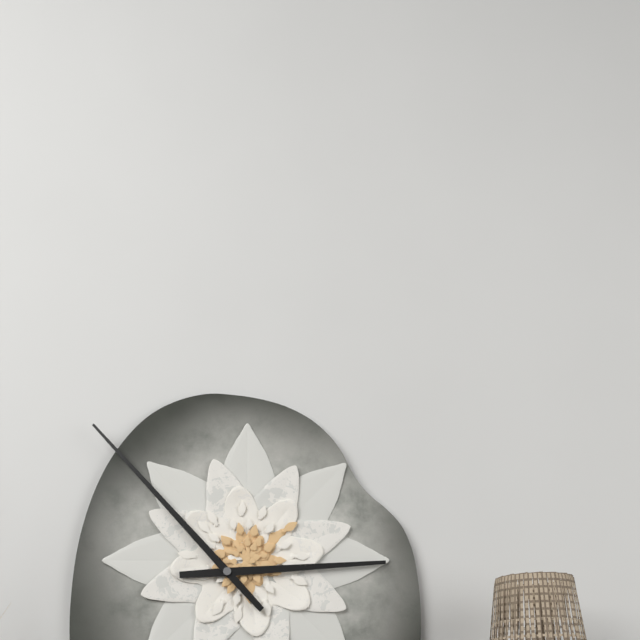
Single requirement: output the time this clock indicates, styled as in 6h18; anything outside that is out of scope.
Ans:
2h53
